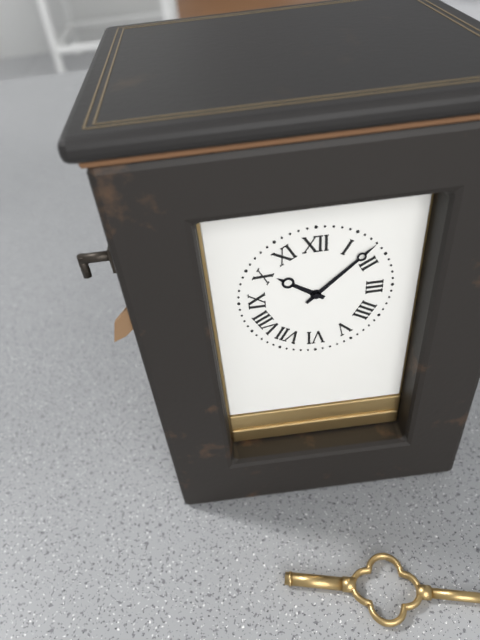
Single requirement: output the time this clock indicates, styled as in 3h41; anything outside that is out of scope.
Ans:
10h08
